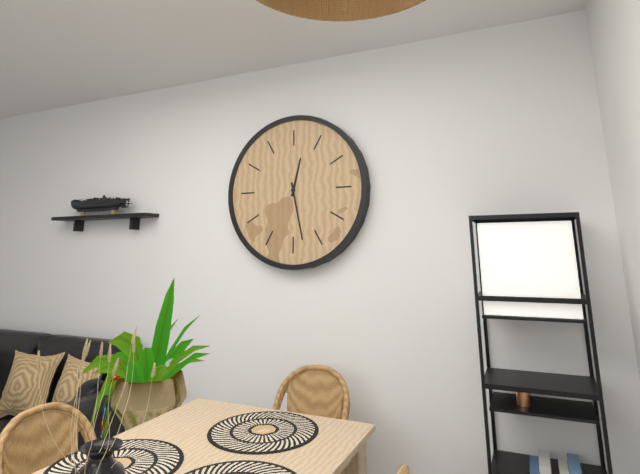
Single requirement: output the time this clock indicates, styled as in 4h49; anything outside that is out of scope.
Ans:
12h28
